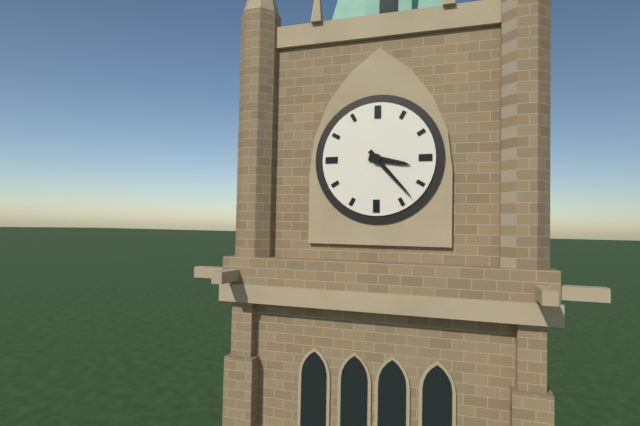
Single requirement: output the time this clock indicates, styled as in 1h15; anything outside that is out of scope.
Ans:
3h23
